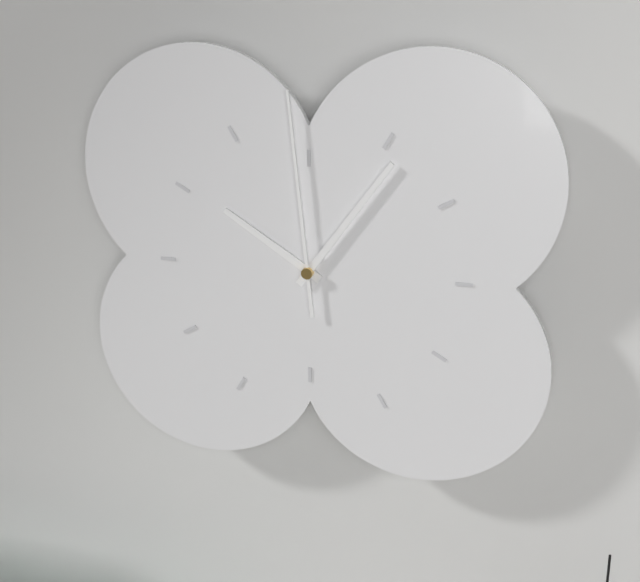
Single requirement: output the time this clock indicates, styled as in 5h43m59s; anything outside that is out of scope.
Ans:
10h06m59s
